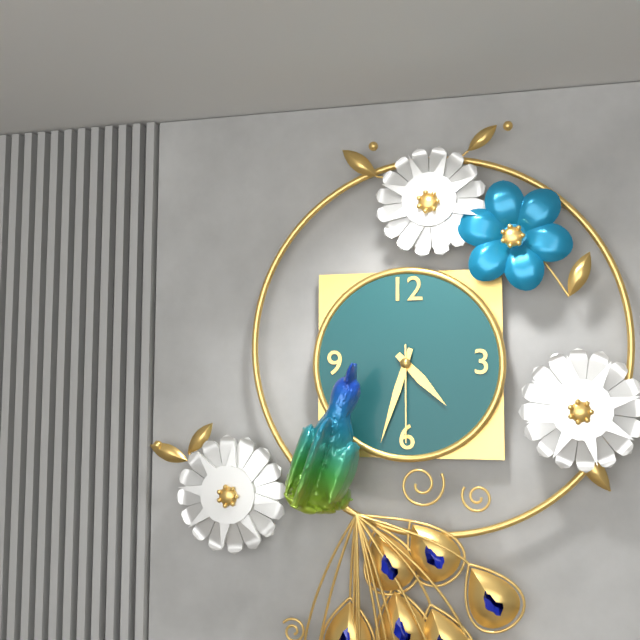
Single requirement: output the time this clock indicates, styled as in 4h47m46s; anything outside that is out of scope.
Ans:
4h33m30s
